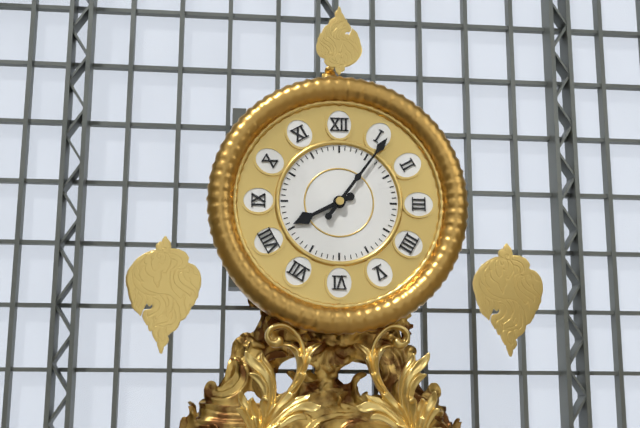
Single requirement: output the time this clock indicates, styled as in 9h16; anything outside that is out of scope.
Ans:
8h06
